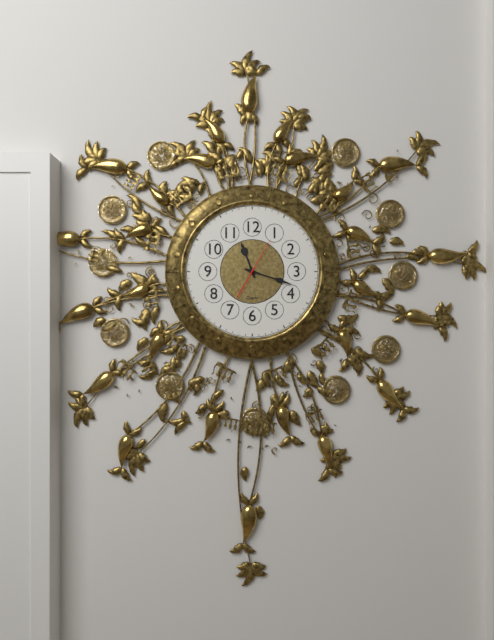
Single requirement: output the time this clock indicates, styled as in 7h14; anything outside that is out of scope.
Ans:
11h18
